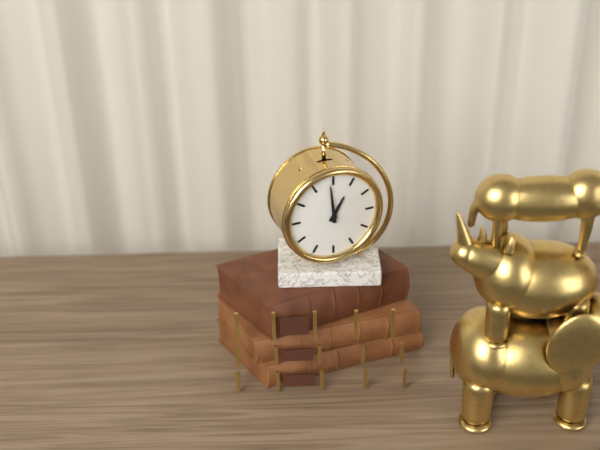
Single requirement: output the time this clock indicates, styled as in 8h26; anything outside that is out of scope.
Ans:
12h59
